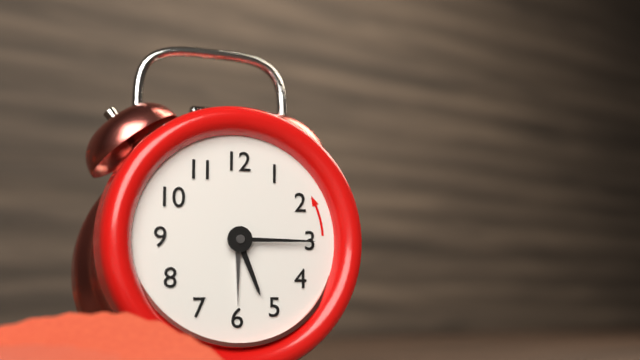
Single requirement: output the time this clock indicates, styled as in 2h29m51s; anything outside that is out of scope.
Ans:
5h15m30s
